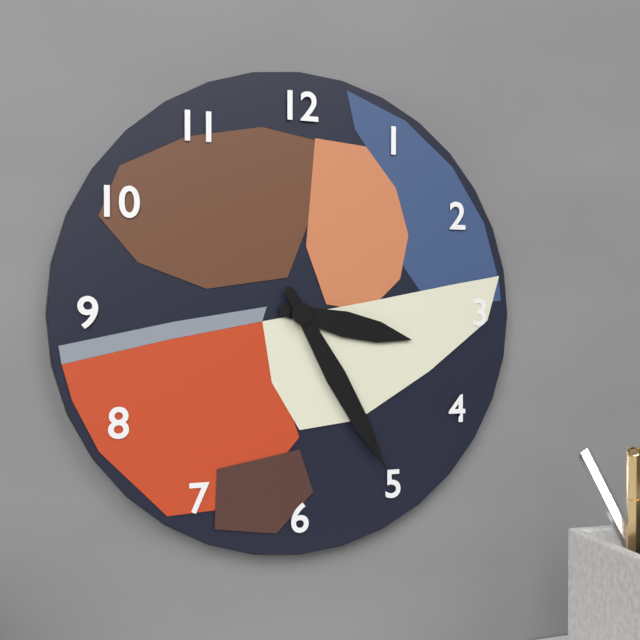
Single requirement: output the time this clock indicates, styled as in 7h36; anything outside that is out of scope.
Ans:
3h25
